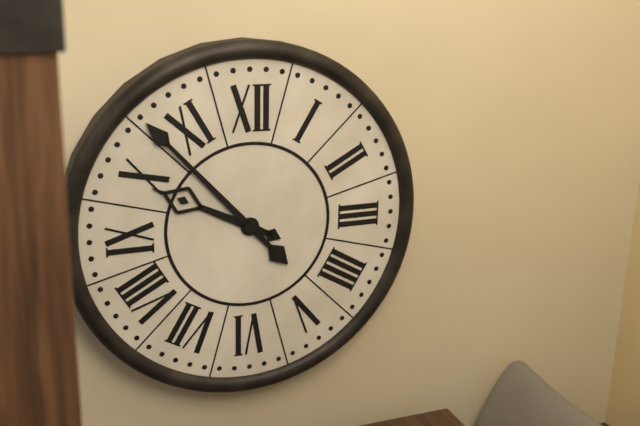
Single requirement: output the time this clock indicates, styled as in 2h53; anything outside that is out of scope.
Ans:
9h53
